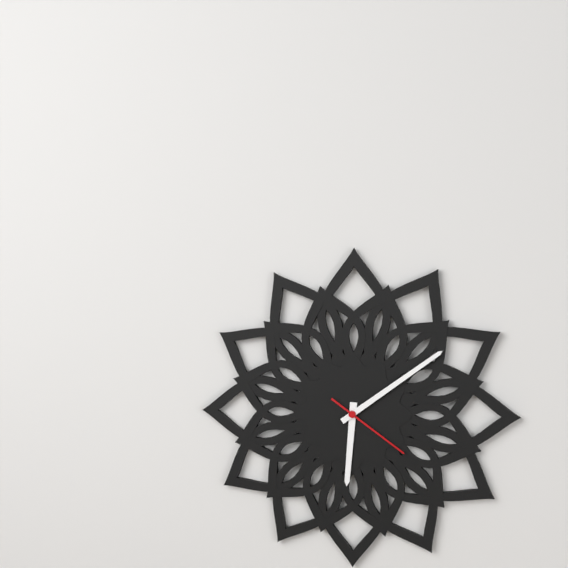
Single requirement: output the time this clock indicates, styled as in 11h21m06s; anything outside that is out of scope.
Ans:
6h09m21s
